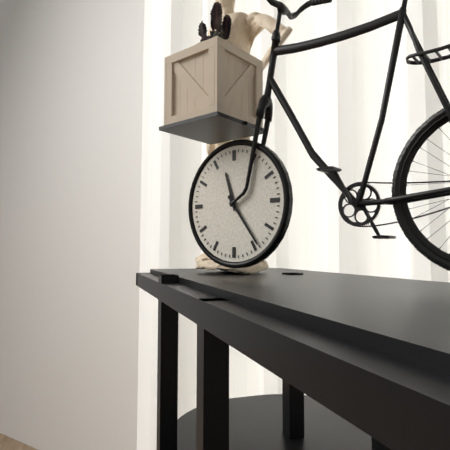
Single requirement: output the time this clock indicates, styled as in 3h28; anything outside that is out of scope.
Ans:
11h24
